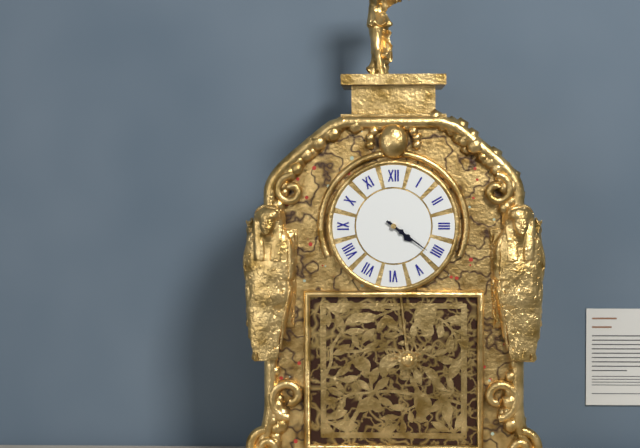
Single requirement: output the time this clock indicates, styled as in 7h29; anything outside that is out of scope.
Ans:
4h21
